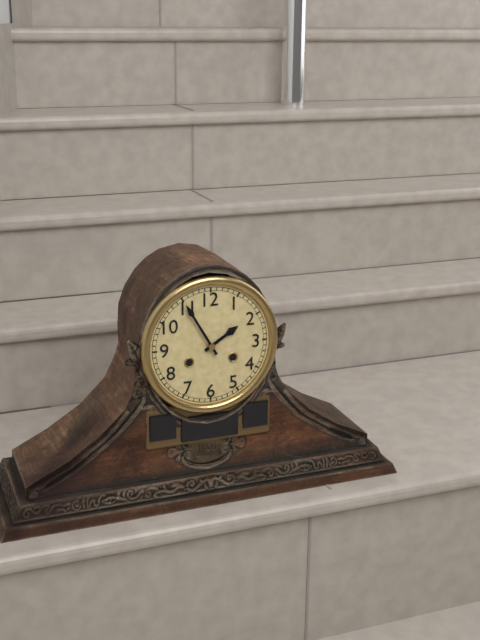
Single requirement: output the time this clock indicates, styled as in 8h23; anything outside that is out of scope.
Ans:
1h55
